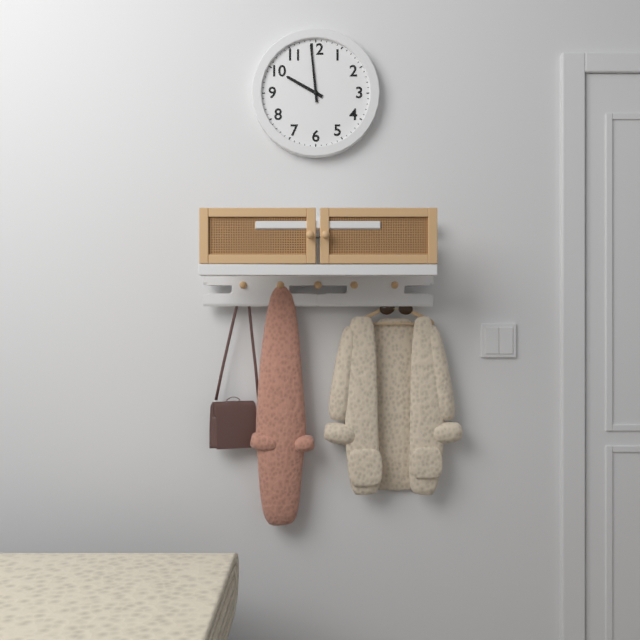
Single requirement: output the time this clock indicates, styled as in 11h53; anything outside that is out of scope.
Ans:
9h59
